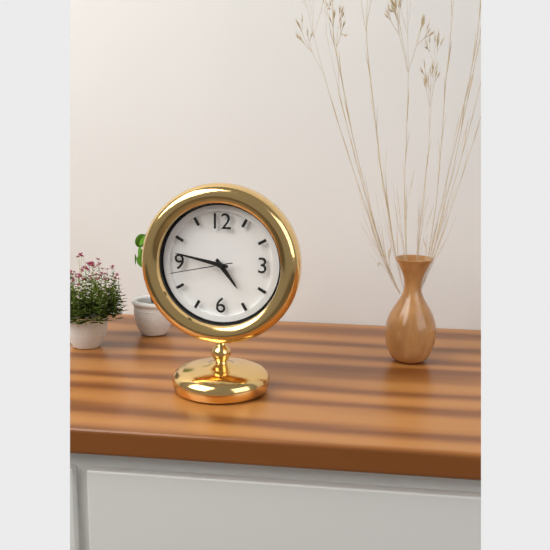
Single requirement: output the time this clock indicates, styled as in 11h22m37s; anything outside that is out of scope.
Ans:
4h47m43s
